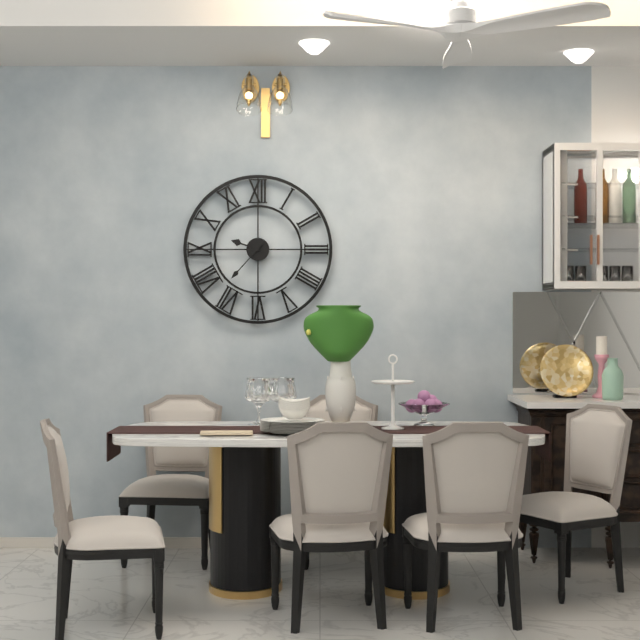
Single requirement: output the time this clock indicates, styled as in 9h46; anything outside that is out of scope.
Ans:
9h37
